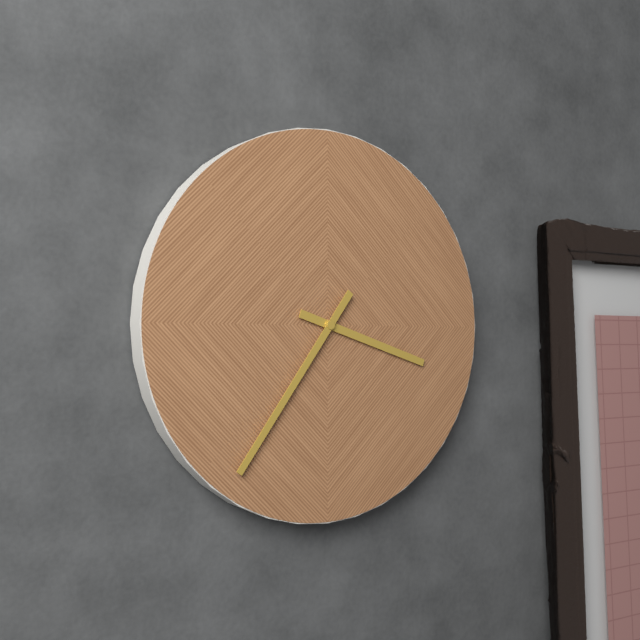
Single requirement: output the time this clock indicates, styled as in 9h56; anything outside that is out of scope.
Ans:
3h36
